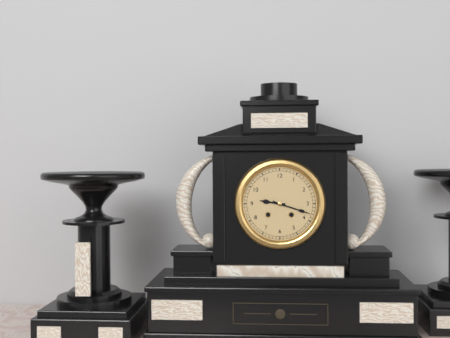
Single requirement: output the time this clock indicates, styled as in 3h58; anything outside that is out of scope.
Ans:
9h18
